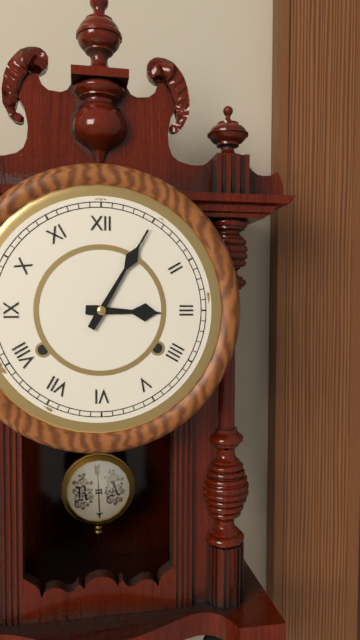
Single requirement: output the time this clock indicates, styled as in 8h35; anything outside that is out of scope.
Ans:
3h05
